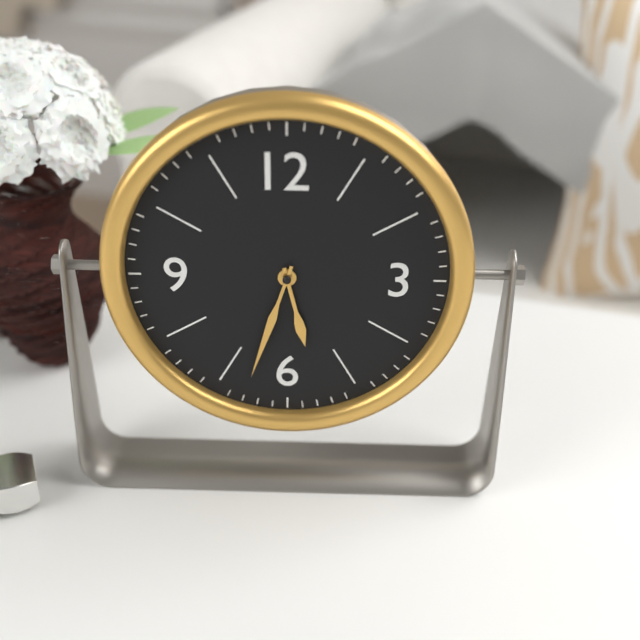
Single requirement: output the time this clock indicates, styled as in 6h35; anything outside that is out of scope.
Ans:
5h33
